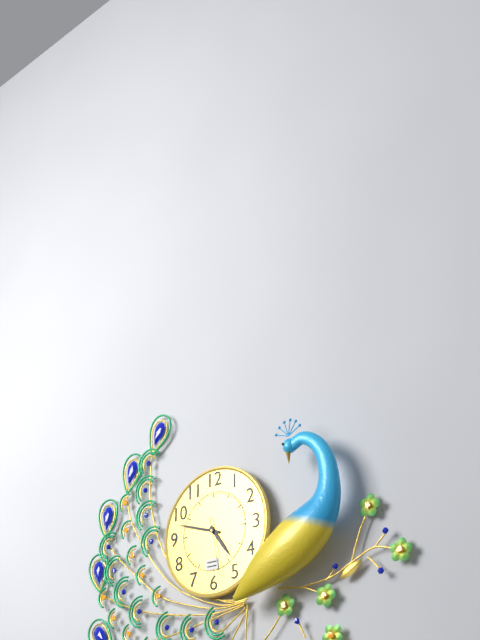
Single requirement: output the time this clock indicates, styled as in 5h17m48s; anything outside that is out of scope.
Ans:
4h48m28s
